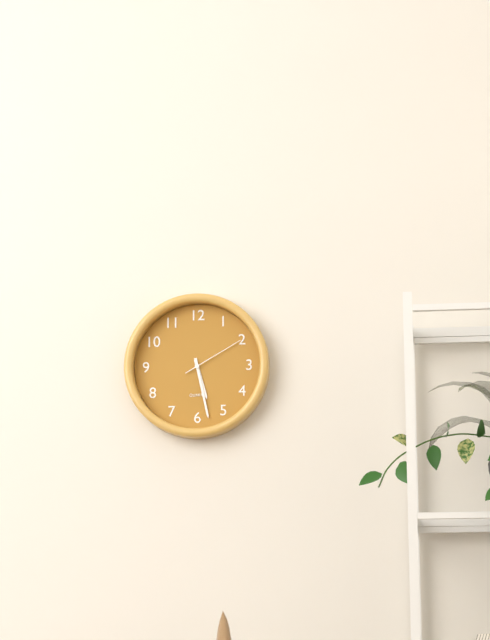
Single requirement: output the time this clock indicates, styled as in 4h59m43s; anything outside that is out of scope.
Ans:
5h28m10s
